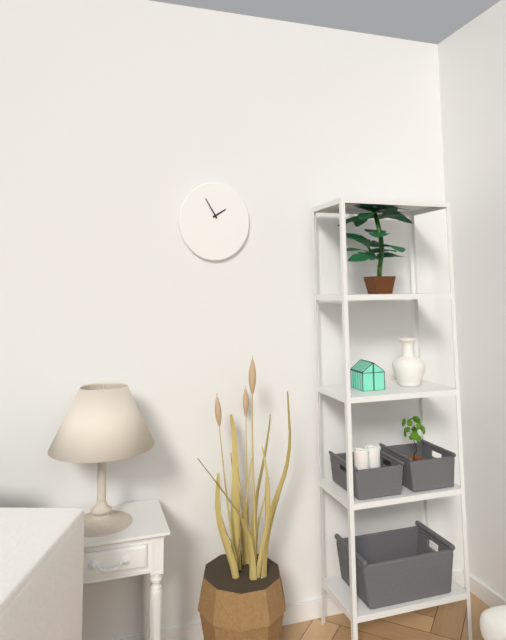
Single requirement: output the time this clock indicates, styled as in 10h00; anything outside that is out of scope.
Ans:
1h55
